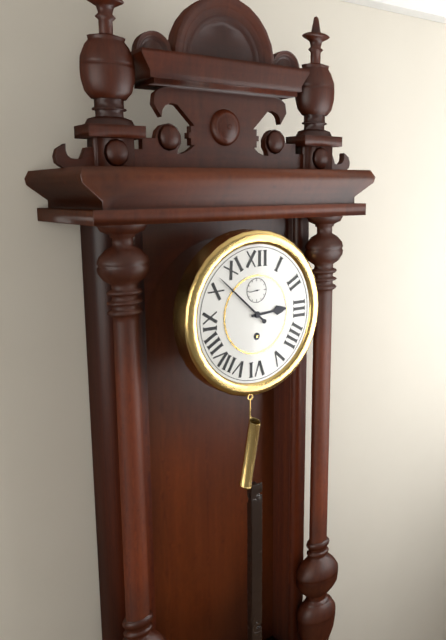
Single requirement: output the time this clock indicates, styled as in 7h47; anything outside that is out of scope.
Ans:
2h52
